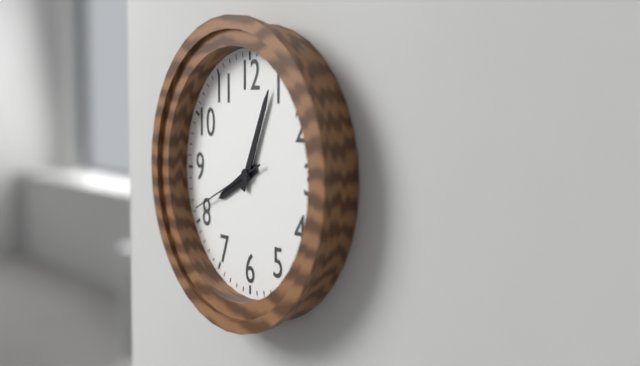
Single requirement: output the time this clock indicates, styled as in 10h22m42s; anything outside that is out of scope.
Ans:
8h04m41s
